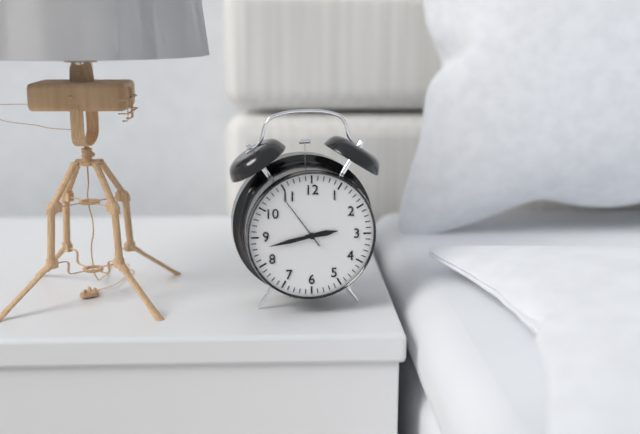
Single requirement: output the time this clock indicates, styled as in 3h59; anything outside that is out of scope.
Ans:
2h43
